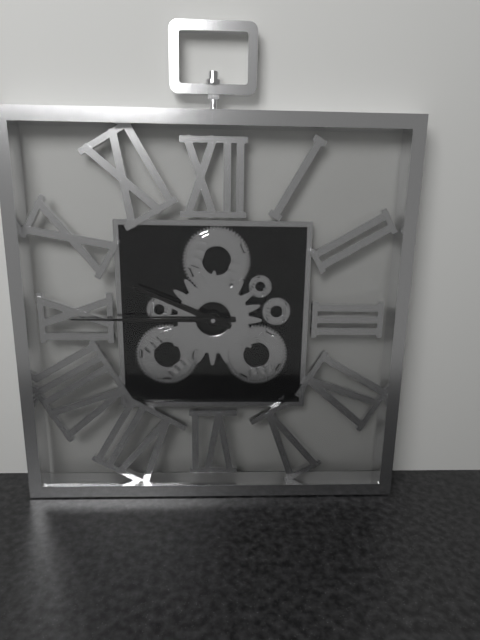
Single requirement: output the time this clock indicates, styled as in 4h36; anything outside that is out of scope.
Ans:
9h45
